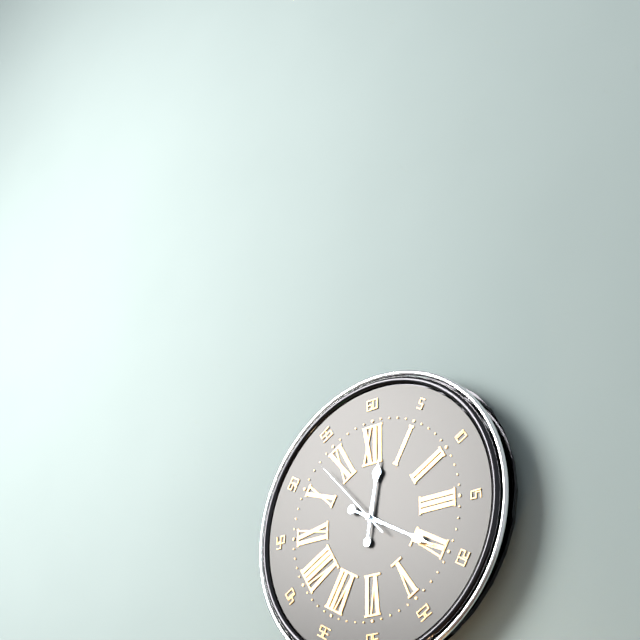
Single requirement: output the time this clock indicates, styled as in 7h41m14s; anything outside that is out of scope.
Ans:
12h20m53s
